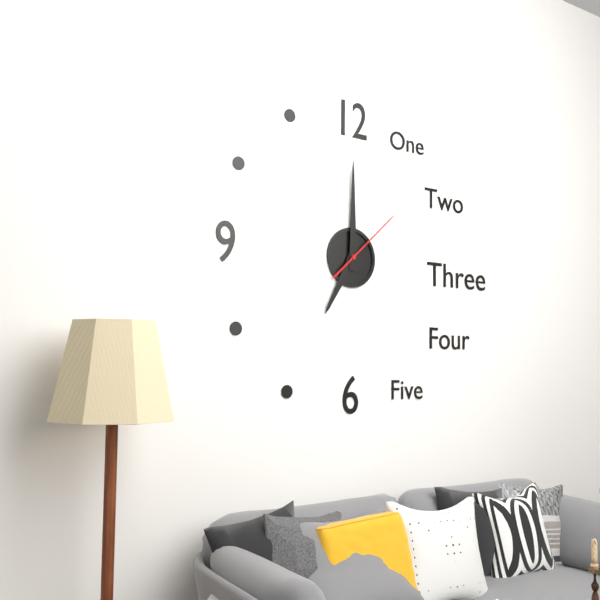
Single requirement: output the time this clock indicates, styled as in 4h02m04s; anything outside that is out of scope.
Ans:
7h00m08s
